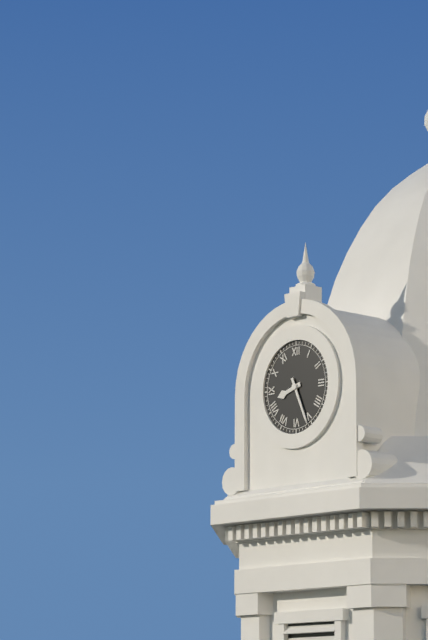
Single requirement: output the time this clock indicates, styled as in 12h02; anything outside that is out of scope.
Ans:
8h26
